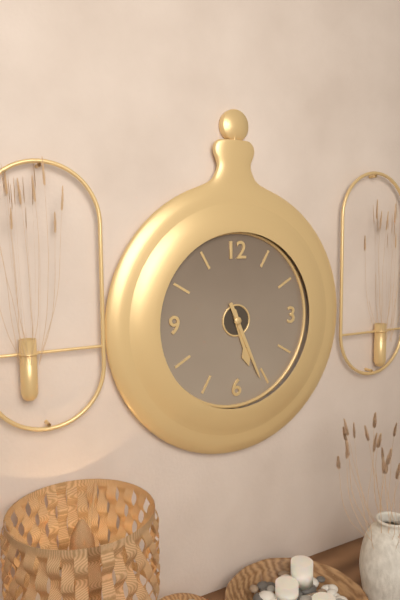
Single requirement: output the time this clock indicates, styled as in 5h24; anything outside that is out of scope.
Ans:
5h26
